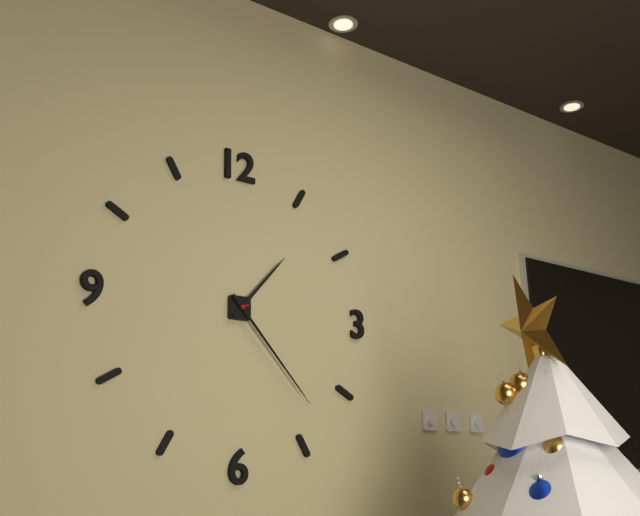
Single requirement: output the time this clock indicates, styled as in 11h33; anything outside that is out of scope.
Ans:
1h23
